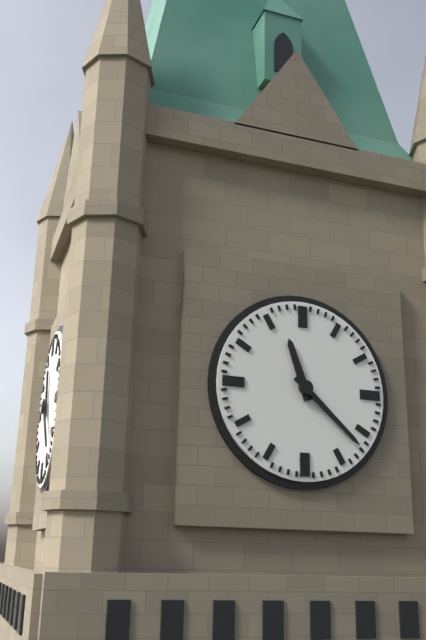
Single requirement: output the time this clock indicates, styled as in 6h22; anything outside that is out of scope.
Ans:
11h22
